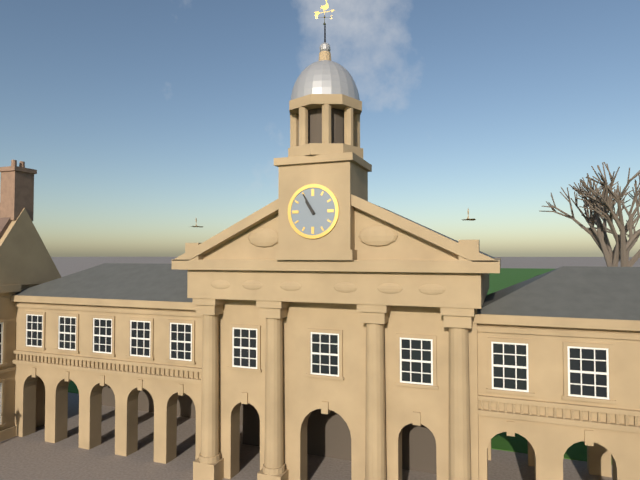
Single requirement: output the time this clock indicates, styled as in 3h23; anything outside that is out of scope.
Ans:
10h55
